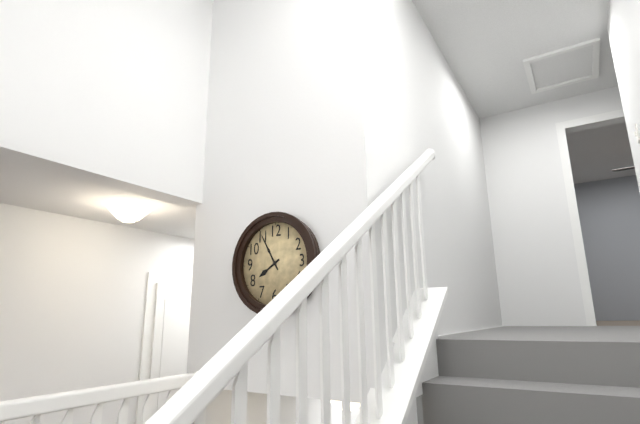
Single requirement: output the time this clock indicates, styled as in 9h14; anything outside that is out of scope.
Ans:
7h55
